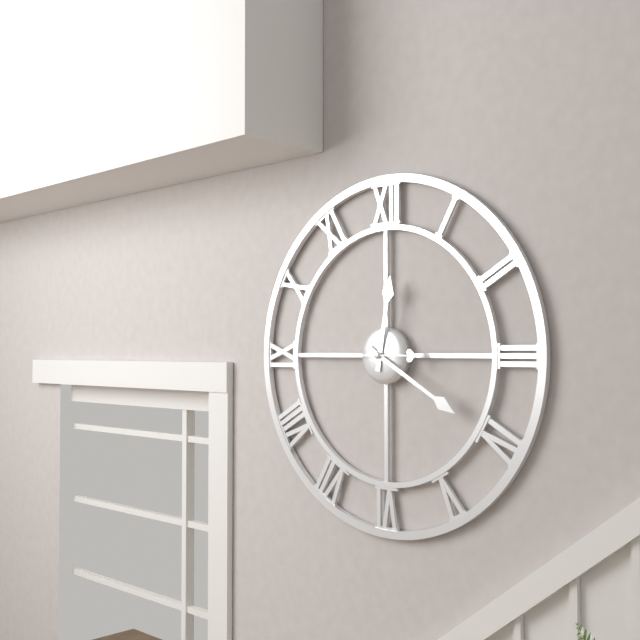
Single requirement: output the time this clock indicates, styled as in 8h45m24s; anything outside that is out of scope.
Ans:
12h20m45s
